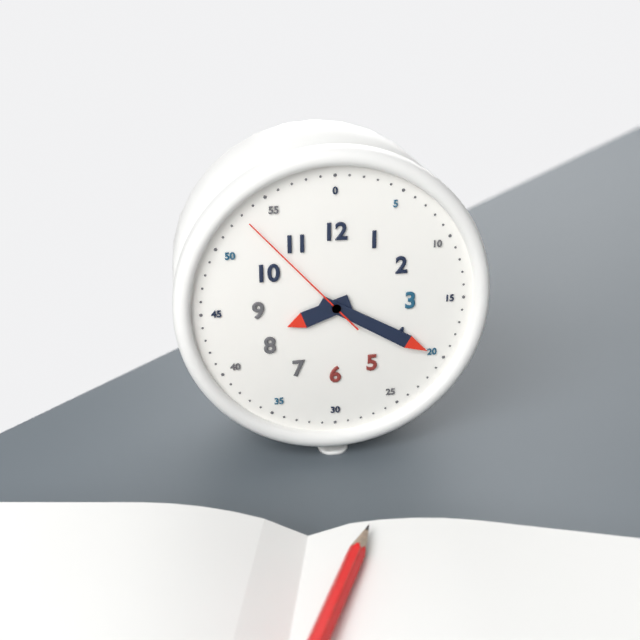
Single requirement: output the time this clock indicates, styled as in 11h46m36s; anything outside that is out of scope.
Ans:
8h20m53s
